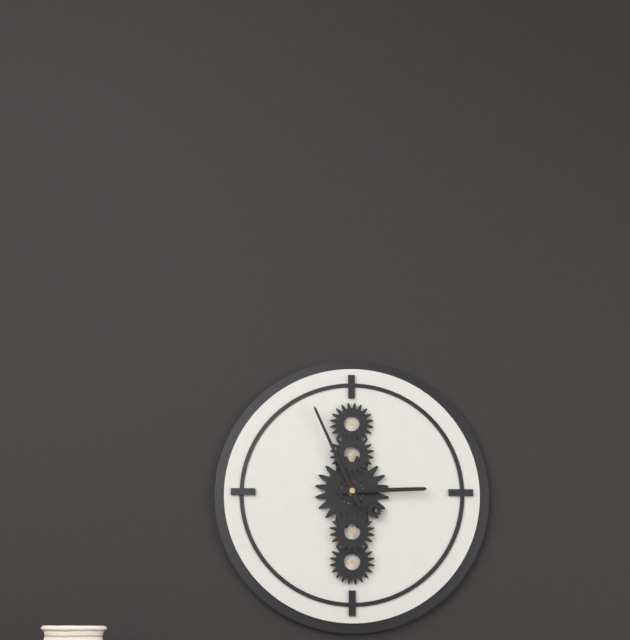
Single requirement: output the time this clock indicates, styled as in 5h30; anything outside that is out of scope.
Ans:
2h56
